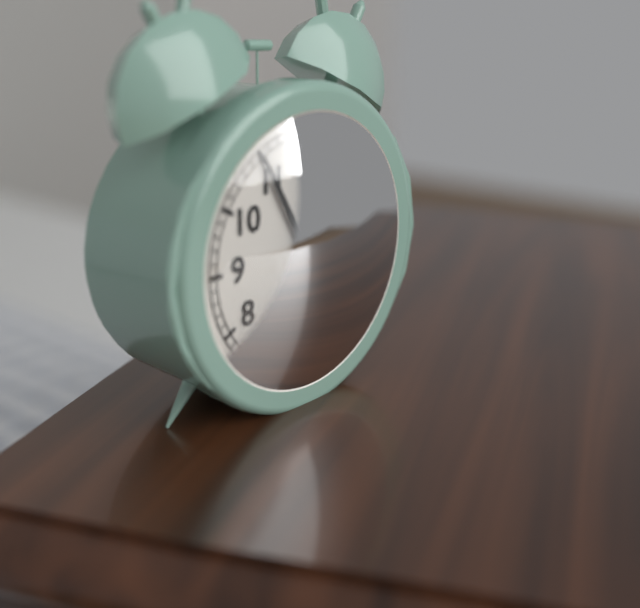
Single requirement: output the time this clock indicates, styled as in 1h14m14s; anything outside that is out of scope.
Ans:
3h55m30s
